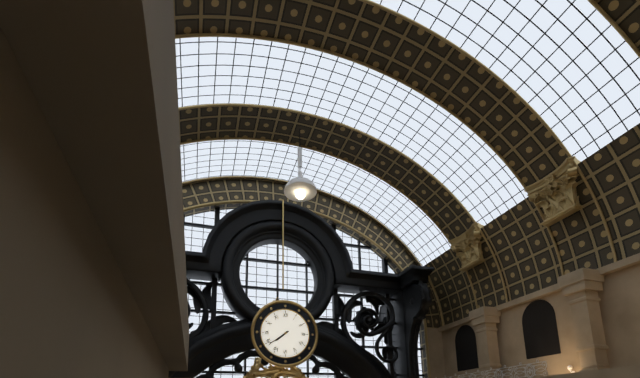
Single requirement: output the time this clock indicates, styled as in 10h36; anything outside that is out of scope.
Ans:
7h39
